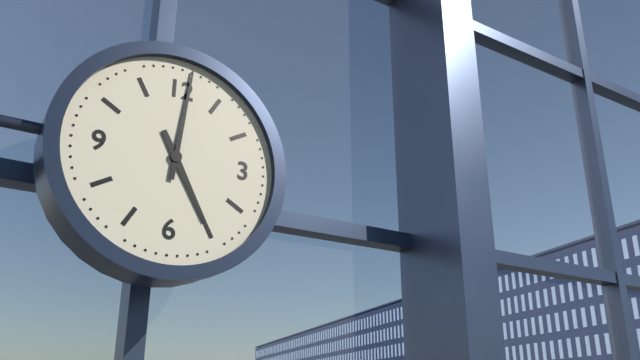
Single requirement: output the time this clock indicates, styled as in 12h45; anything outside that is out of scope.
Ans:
5h01
